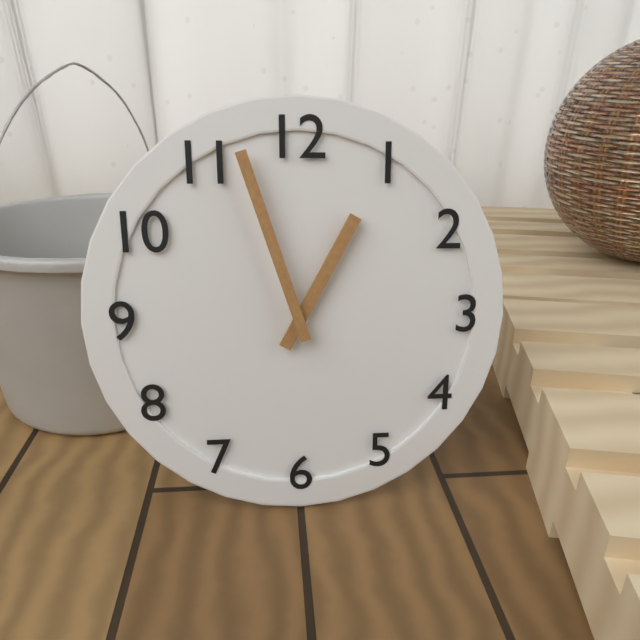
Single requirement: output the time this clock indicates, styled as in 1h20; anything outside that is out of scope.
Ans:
12h57
